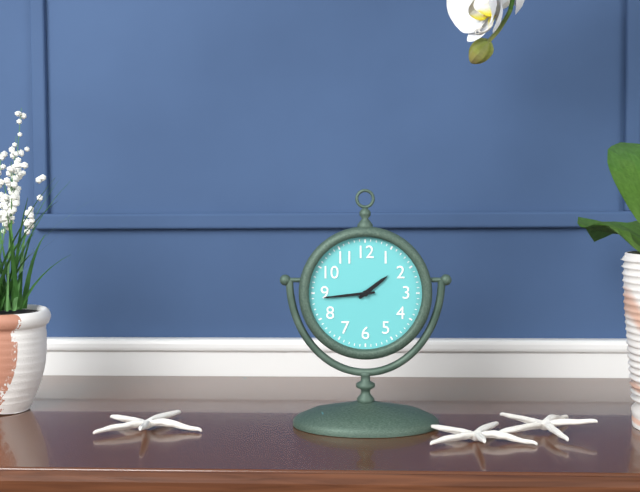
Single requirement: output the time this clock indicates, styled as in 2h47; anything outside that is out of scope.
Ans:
1h44
